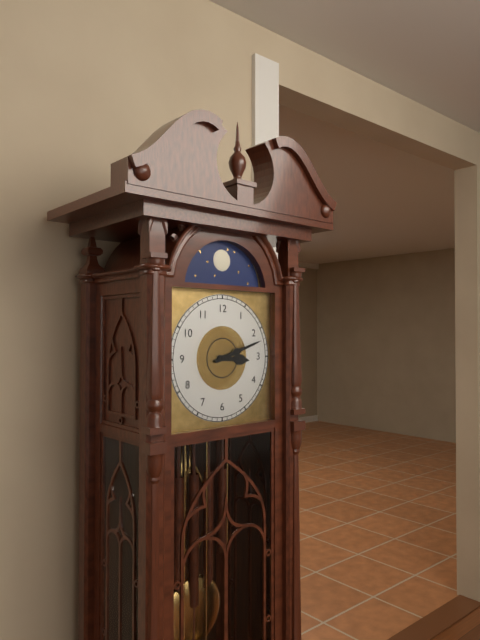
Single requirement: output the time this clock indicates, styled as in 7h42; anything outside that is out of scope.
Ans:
3h12
